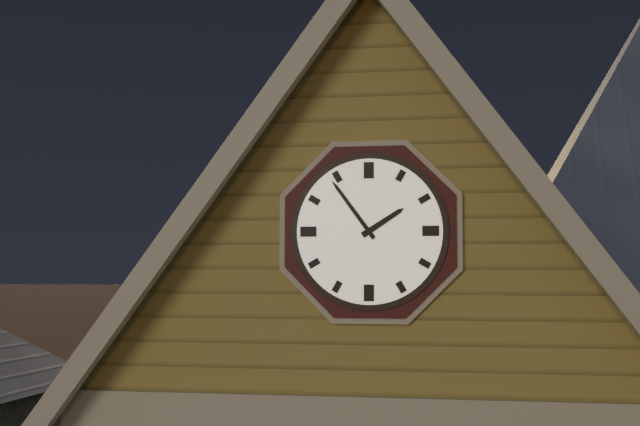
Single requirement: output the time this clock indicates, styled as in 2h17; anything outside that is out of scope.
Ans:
1h54
